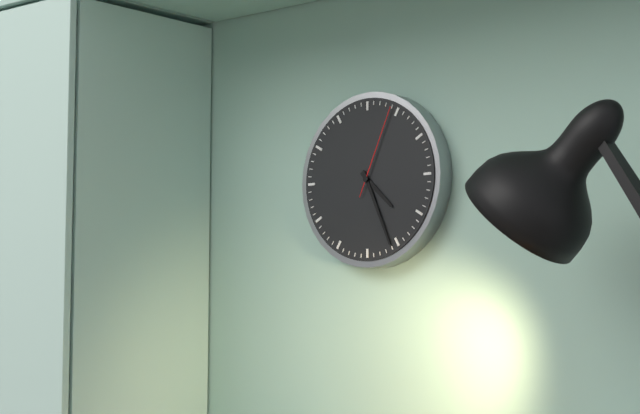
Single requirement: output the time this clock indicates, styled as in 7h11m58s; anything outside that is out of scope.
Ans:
4h26m04s
